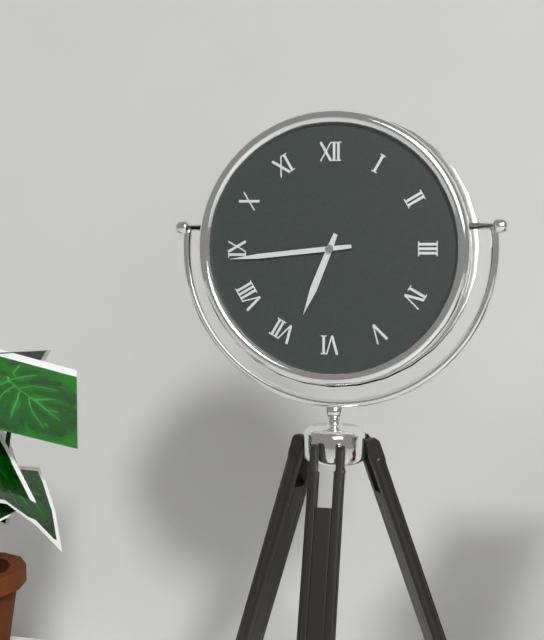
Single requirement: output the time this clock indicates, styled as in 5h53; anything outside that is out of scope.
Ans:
6h44
